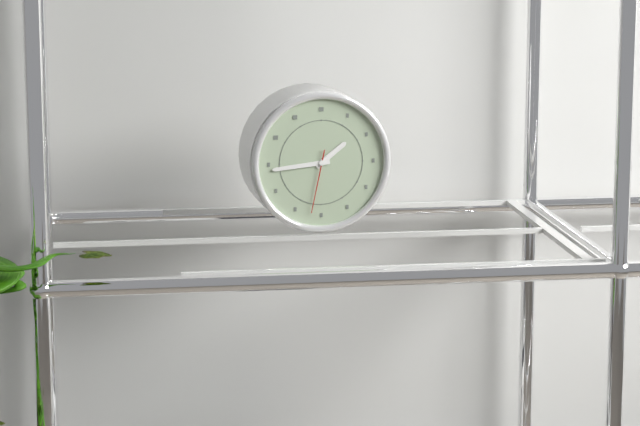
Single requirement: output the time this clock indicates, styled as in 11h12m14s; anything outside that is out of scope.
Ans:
1h44m32s
